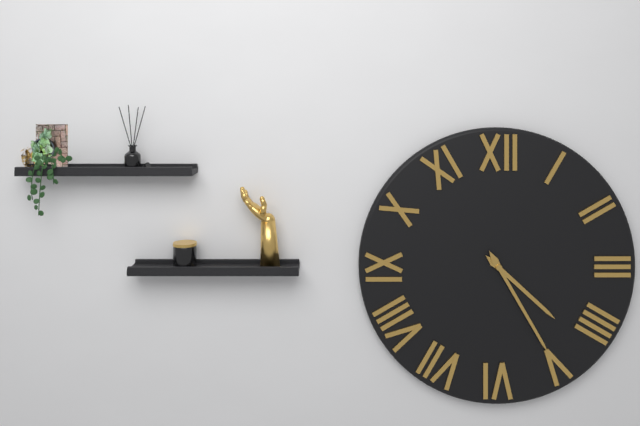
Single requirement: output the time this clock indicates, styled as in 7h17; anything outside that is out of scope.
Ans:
4h25
